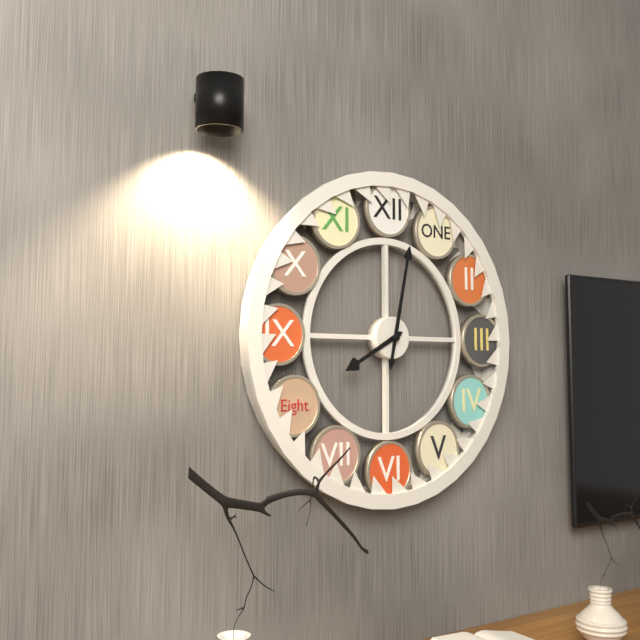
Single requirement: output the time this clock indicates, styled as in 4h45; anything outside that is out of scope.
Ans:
8h02
